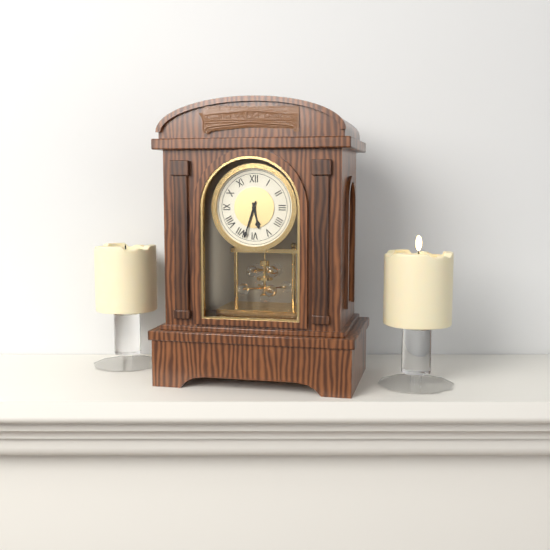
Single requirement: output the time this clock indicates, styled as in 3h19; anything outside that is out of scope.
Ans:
5h33
